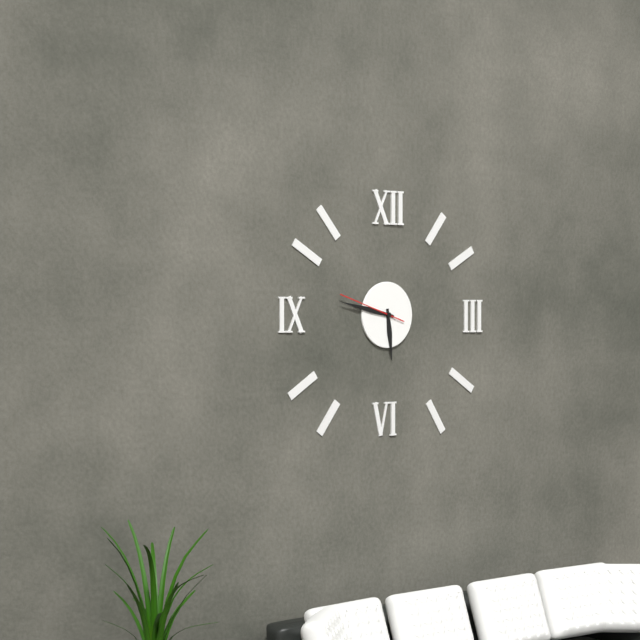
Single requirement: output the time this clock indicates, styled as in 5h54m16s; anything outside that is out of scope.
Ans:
5h47m48s
